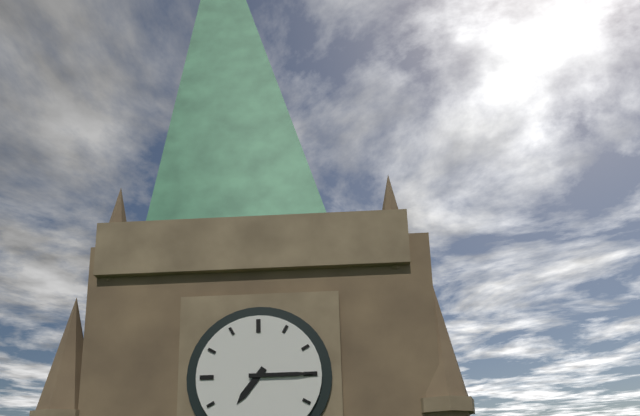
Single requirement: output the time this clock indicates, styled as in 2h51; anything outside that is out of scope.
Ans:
7h15
